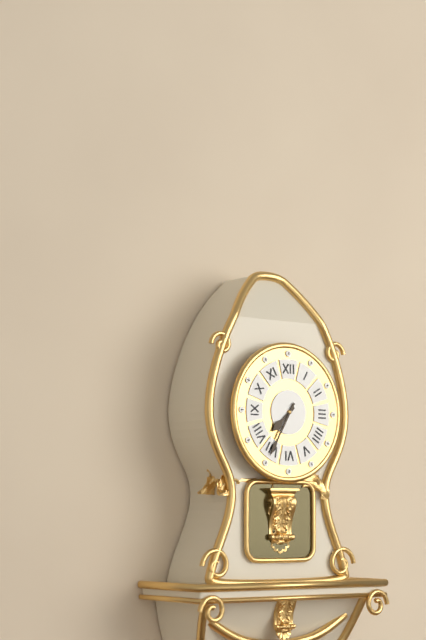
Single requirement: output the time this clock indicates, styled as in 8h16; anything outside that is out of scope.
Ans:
7h35
